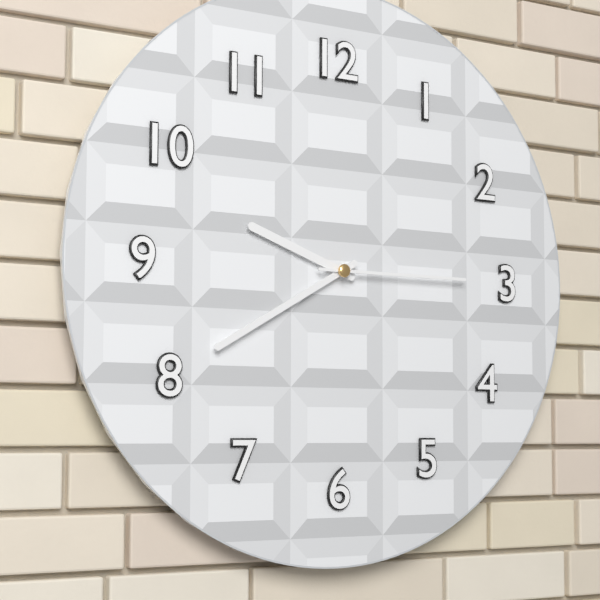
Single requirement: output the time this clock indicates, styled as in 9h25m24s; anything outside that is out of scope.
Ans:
9h40m15s
